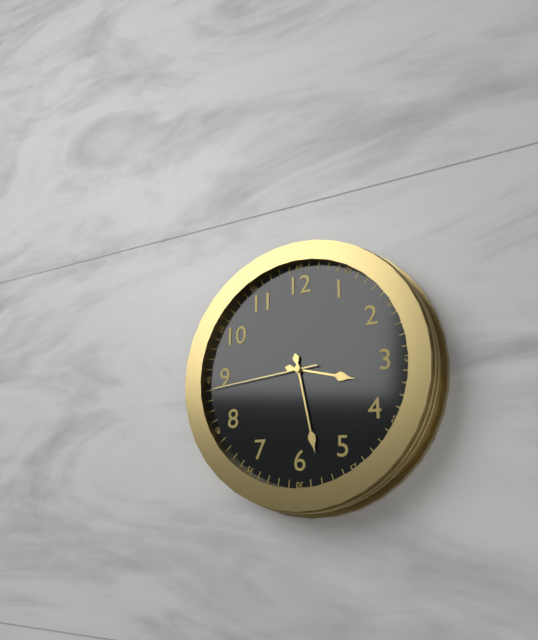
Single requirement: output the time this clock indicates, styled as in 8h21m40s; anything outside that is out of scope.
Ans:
3h28m44s
